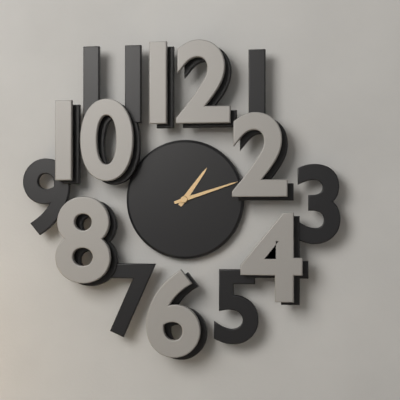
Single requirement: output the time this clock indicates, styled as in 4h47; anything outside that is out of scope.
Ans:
1h12
